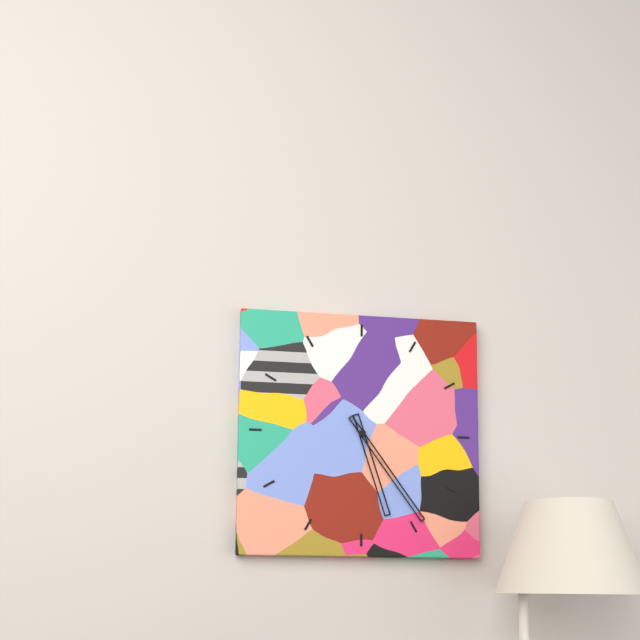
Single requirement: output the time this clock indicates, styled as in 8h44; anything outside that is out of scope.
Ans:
5h24
